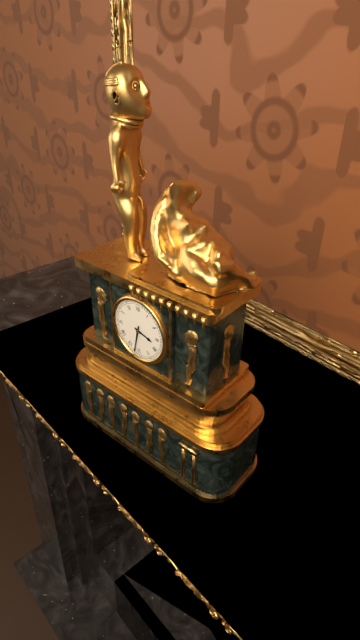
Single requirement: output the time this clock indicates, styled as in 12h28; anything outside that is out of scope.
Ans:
3h32
